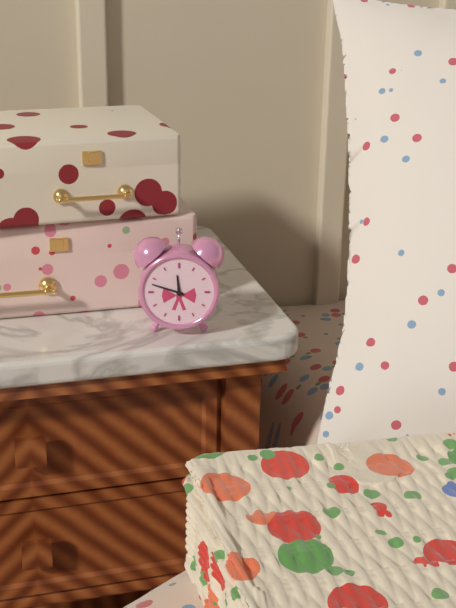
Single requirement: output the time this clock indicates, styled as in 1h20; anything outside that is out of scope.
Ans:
11h48
